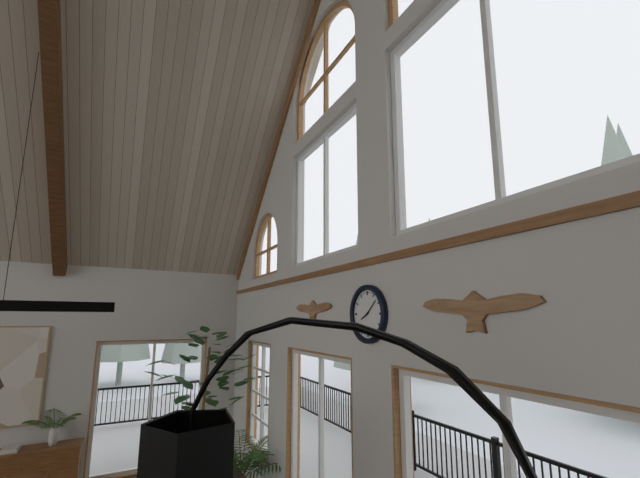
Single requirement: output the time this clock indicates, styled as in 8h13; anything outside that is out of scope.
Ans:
8h08
